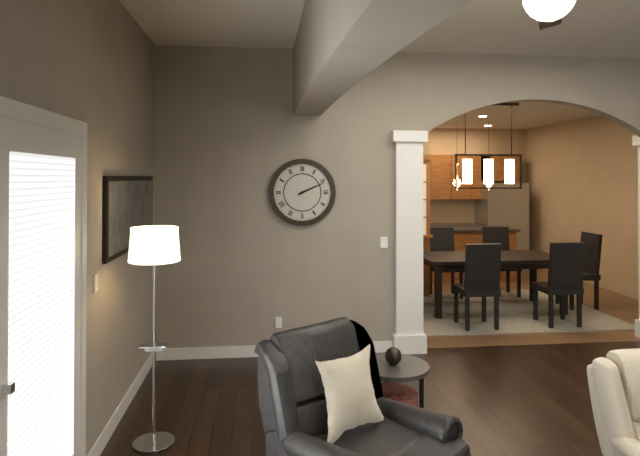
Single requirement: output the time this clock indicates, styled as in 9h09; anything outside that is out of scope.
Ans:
2h11
